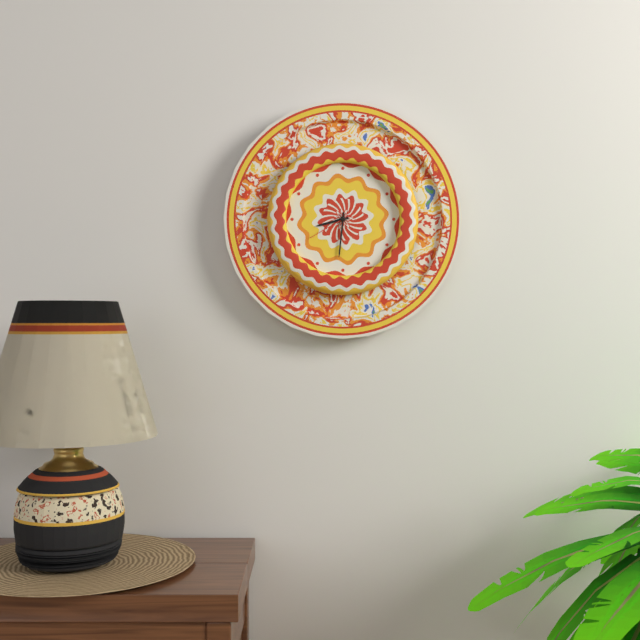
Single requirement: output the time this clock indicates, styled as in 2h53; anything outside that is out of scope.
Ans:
8h31
